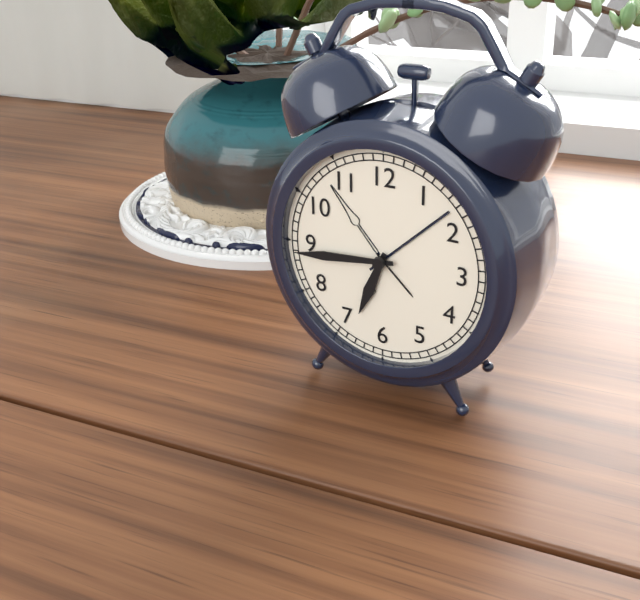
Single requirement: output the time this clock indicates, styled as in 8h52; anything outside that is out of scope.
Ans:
6h44
